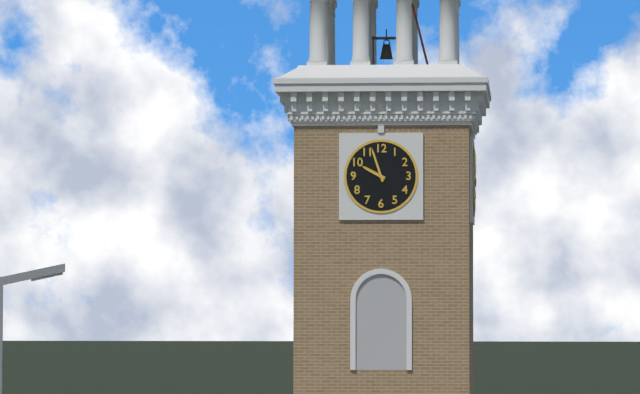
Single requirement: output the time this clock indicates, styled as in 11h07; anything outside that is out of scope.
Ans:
9h57
